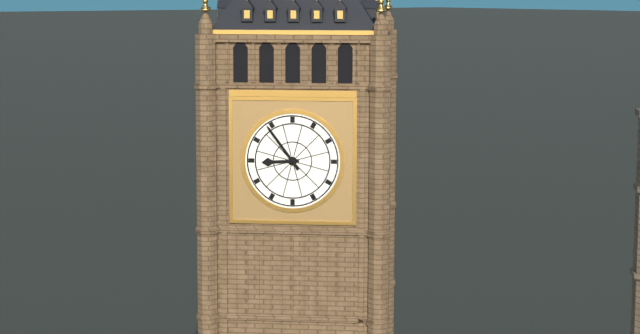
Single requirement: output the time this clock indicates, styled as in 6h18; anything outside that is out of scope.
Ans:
8h54
